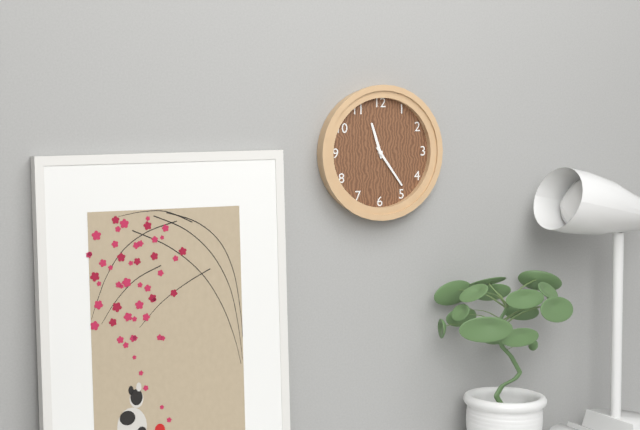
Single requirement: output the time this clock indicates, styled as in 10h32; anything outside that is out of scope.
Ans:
11h24
